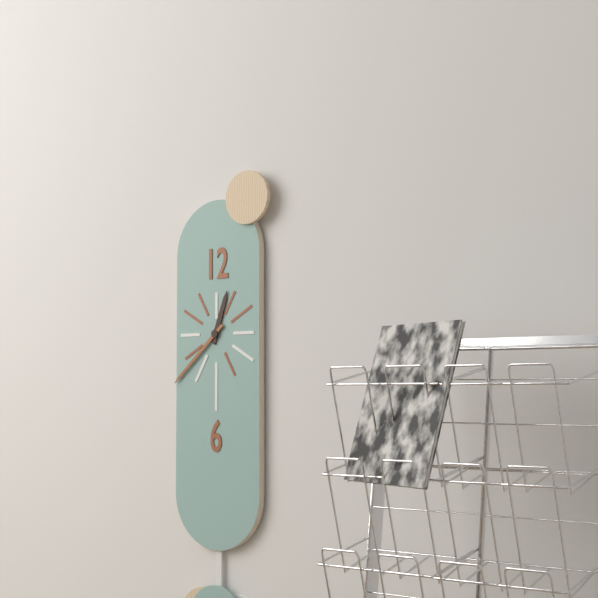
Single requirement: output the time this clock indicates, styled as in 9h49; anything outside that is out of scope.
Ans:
12h38
